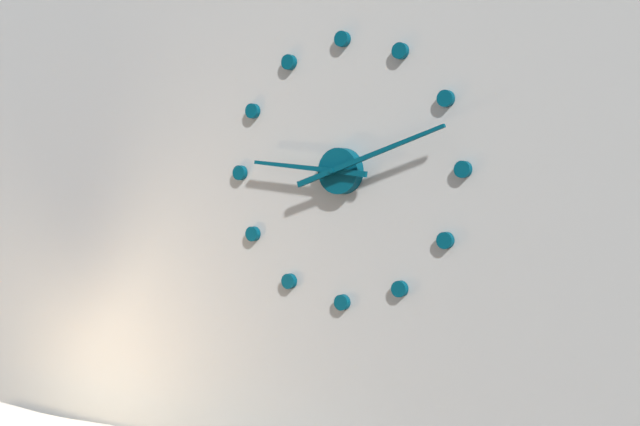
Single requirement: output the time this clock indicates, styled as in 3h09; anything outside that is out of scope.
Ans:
9h12
